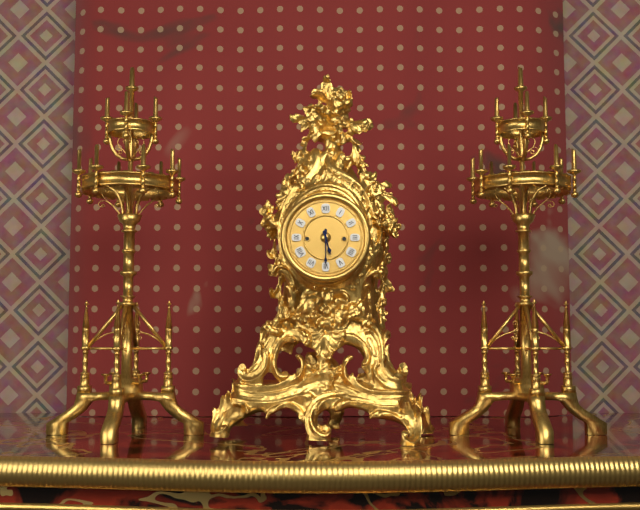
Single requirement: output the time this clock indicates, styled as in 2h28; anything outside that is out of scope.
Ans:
5h30
